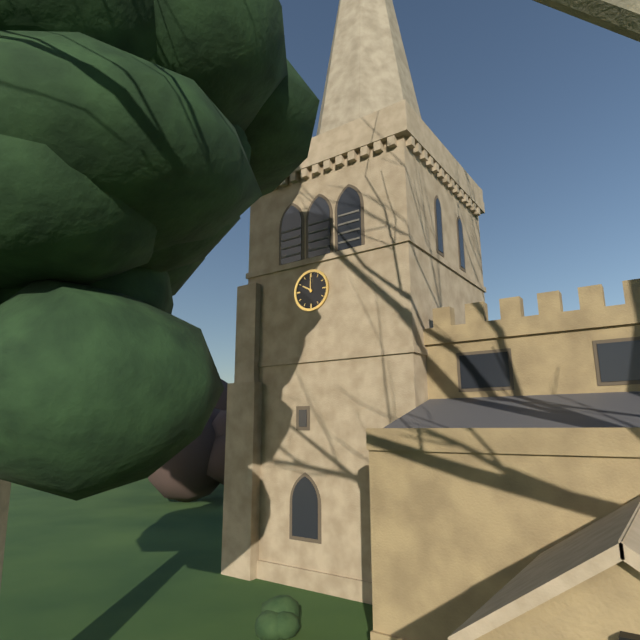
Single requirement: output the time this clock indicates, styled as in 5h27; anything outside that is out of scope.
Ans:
10h00
